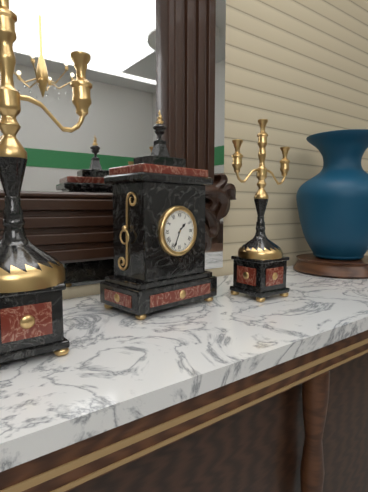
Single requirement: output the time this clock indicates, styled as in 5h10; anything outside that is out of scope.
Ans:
1h34
